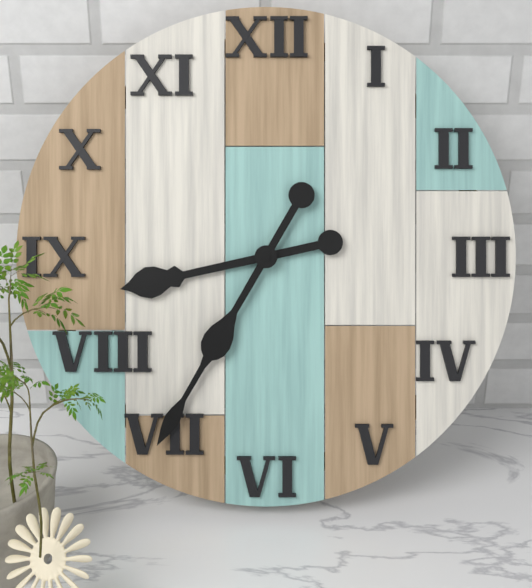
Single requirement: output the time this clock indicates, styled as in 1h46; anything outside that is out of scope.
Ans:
8h35
